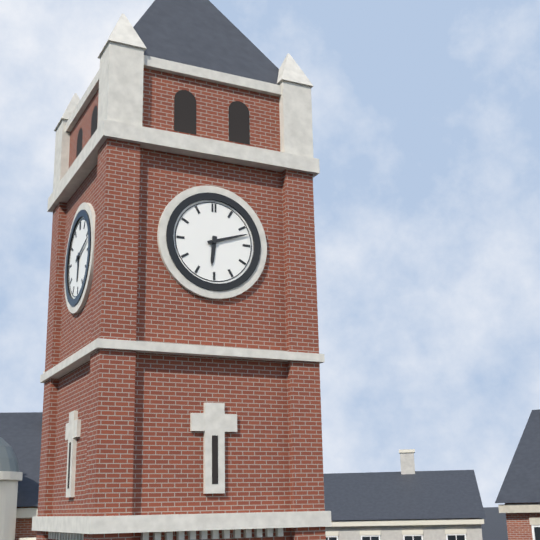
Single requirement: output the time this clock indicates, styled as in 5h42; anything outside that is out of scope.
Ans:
6h12
